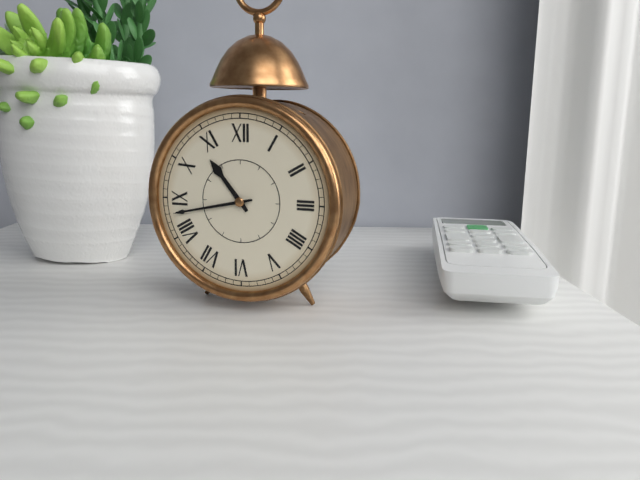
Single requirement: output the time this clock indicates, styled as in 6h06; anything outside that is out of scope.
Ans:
10h43
